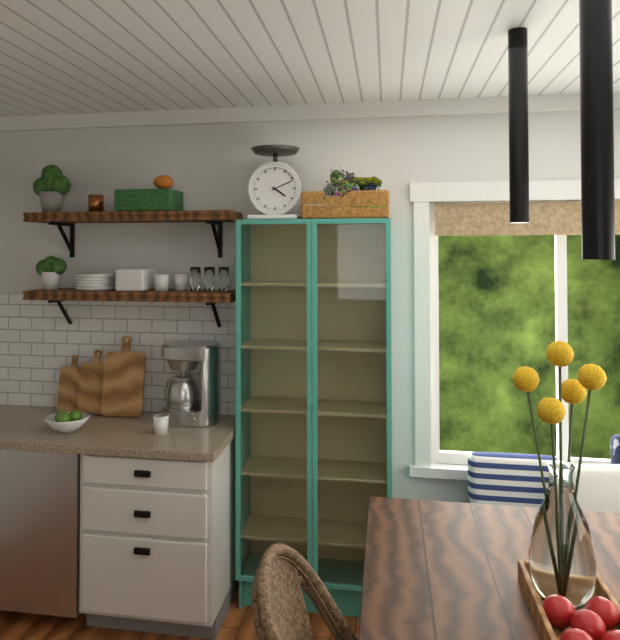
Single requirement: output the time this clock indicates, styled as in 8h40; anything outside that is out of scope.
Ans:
4h11
